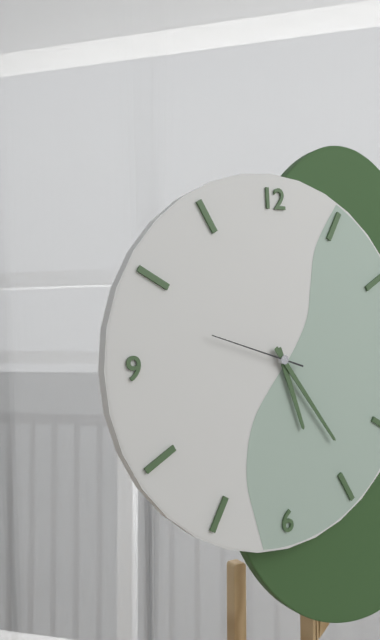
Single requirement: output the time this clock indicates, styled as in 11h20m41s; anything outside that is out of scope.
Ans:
5h24m48s
